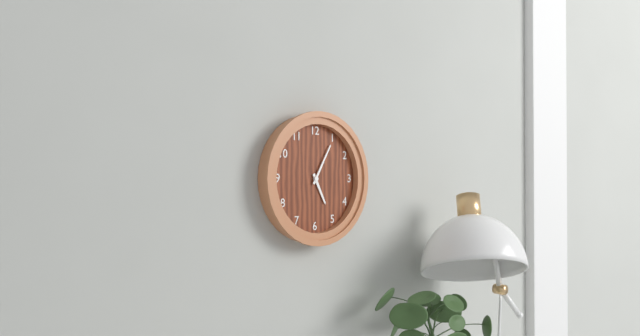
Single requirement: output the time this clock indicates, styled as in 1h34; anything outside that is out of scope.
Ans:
5h05
